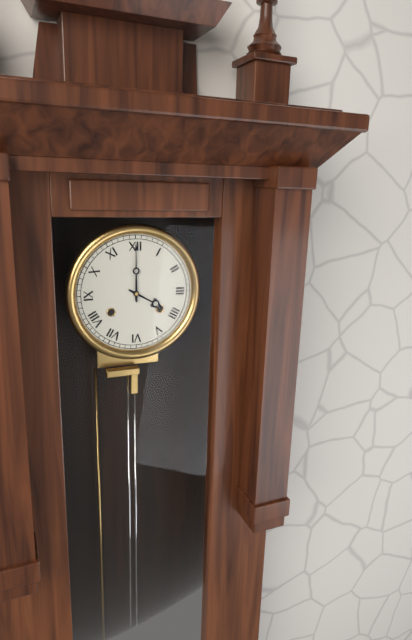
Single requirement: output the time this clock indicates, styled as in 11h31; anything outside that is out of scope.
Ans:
4h00
